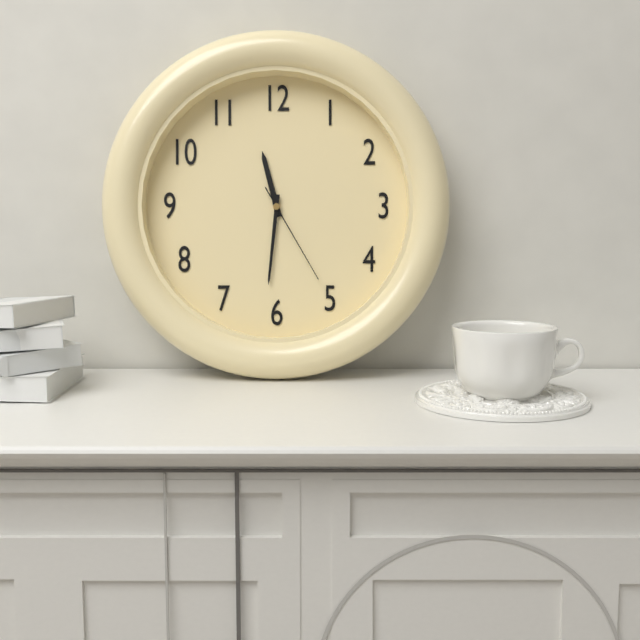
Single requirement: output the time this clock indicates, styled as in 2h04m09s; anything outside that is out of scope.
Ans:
11h31m25s
